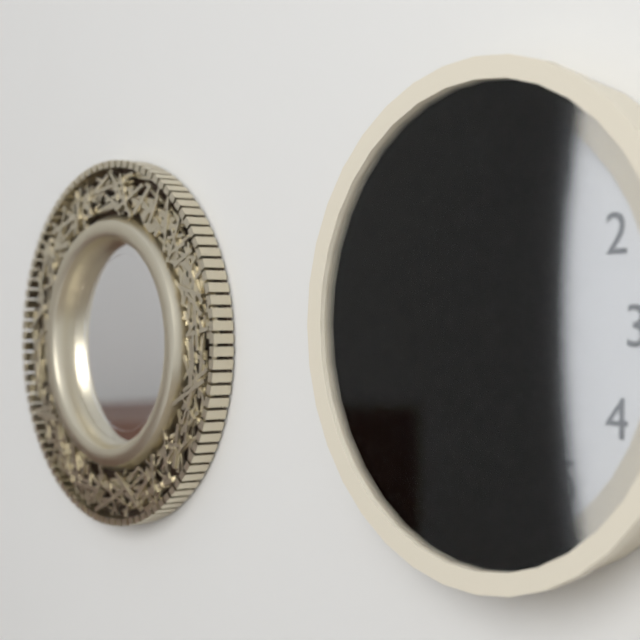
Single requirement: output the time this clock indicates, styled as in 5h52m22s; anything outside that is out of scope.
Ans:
11h52m39s
